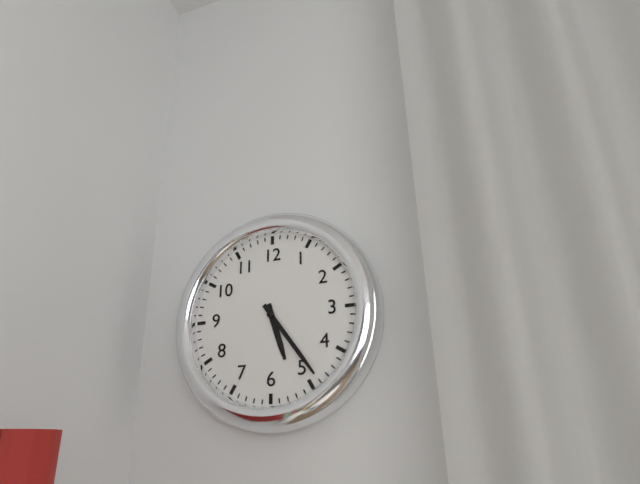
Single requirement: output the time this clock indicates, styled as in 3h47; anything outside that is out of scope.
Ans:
5h24
